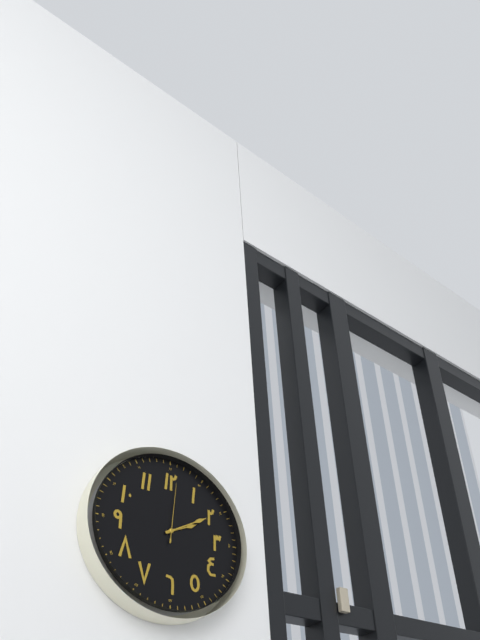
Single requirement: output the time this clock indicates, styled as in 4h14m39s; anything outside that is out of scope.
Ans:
2h10m01s
